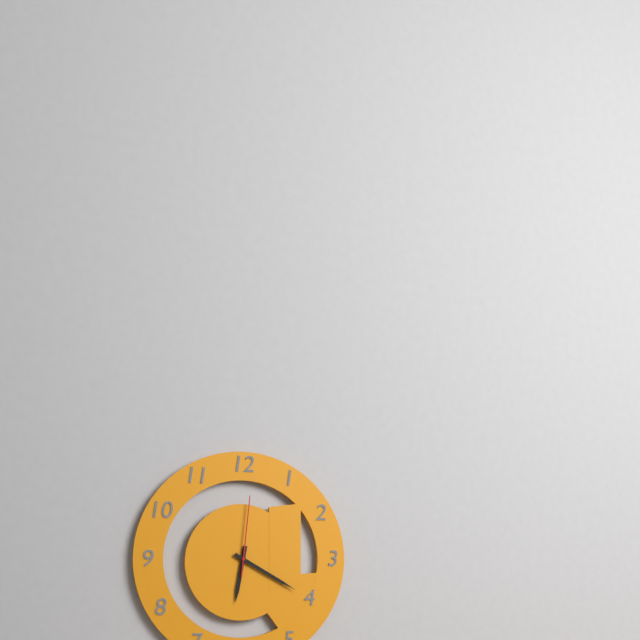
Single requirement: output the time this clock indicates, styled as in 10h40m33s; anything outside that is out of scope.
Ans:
6h20m01s
